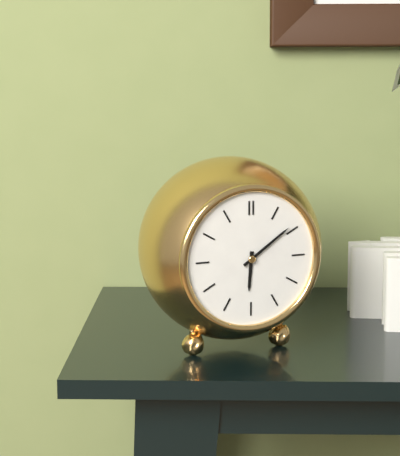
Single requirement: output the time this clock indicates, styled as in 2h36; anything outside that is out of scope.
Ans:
6h09
